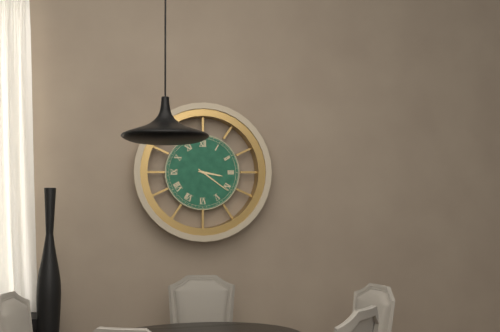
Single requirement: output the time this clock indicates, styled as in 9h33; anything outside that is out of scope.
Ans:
3h21
